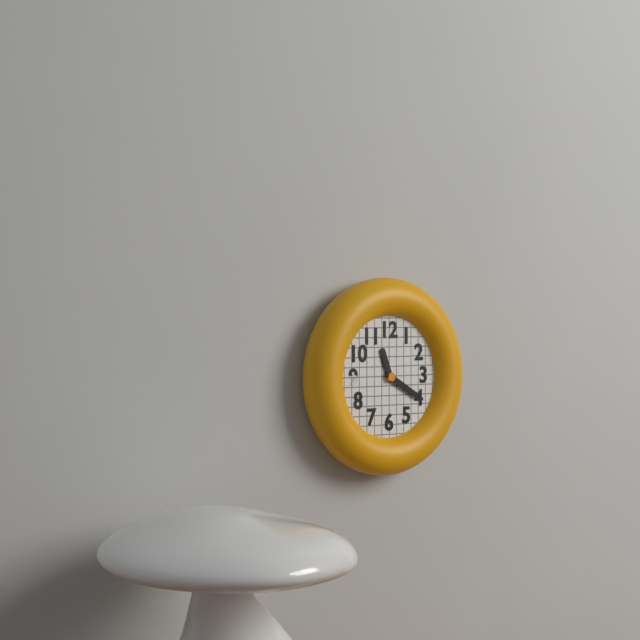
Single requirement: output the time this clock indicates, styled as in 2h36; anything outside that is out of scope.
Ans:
11h20
